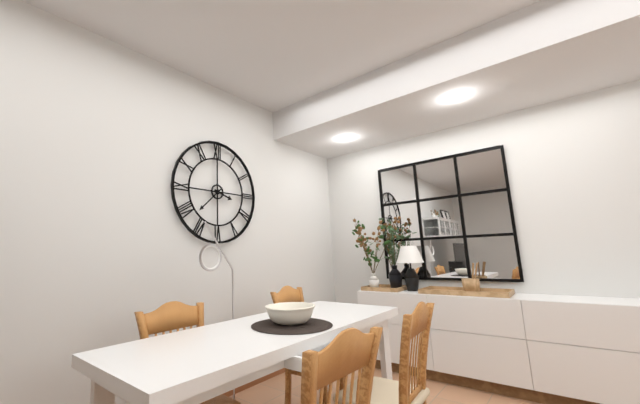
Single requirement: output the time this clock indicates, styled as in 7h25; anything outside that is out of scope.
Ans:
3h38
